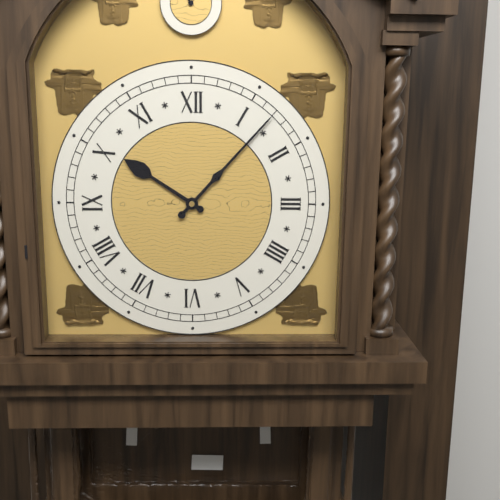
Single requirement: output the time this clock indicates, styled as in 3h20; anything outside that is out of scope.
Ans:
10h07
